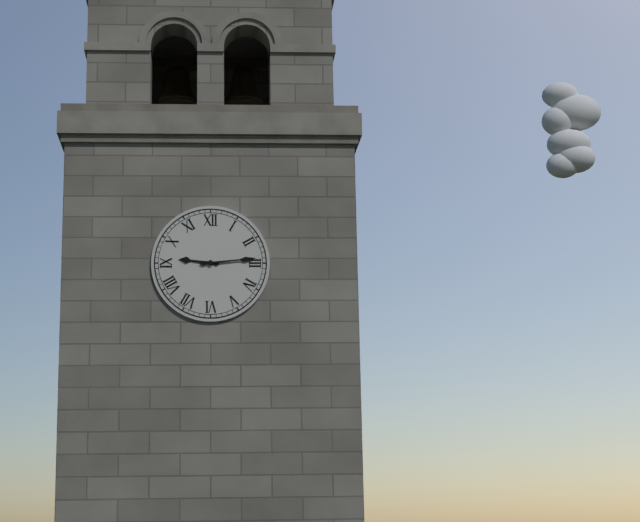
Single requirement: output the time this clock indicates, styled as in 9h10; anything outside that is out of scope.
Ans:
9h14
